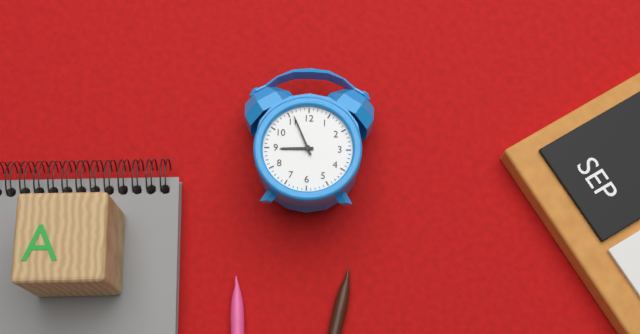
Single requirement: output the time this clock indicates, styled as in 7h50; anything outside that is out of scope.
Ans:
8h56
